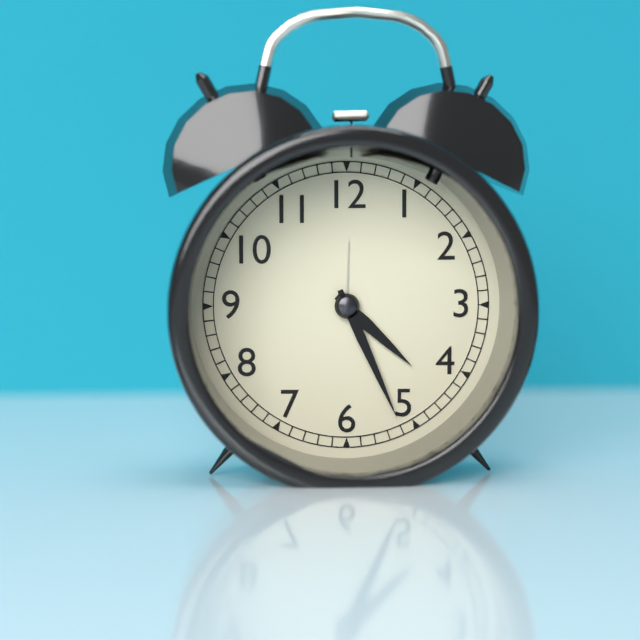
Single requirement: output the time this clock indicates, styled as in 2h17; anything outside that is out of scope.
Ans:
4h26
